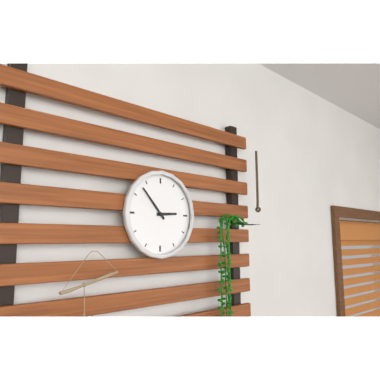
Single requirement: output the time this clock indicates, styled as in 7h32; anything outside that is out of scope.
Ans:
2h53
